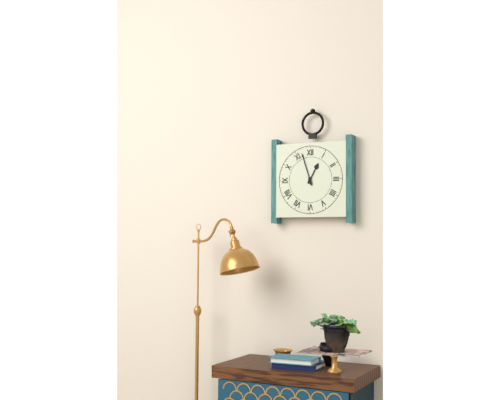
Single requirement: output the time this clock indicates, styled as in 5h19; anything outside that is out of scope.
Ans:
12h57
